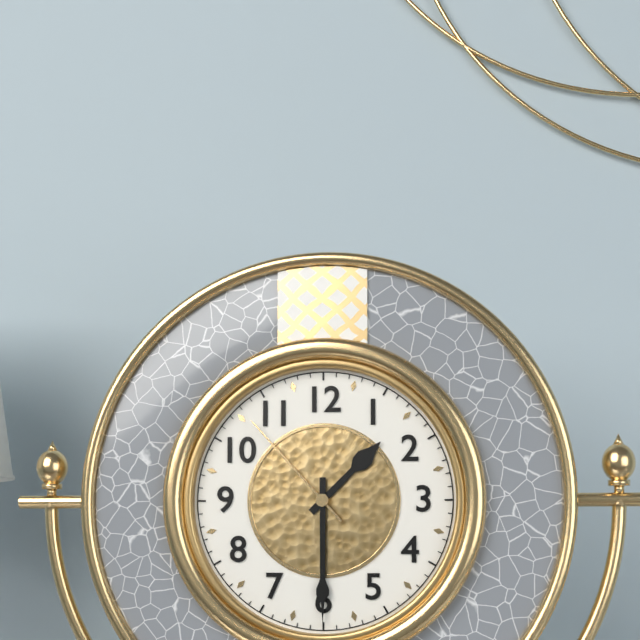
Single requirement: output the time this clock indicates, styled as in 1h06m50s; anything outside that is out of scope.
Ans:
1h30m53s
